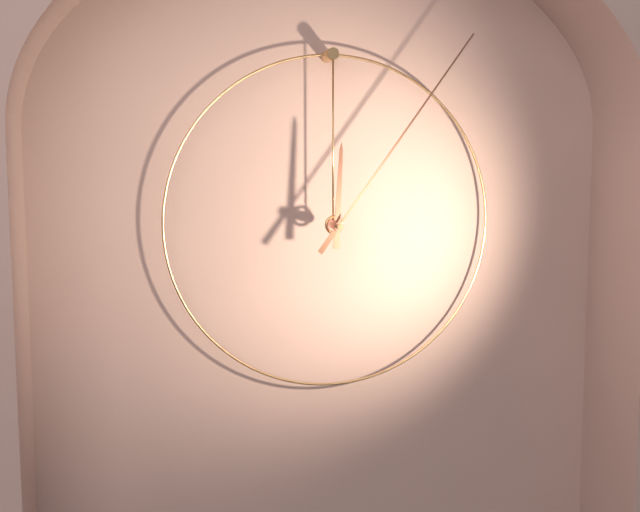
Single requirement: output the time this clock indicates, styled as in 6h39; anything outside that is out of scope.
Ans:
12h06
